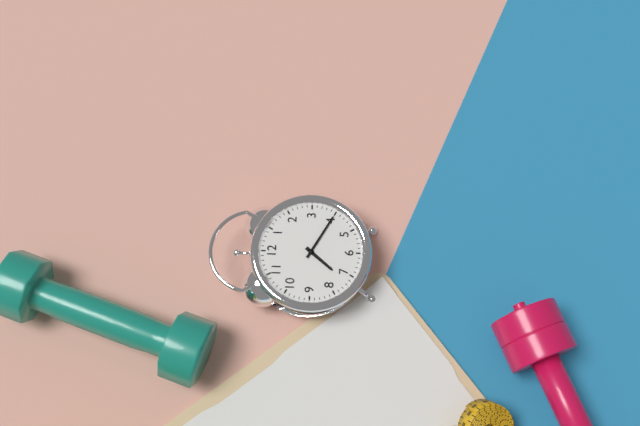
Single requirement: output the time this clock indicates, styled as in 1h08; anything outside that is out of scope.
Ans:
7h20
